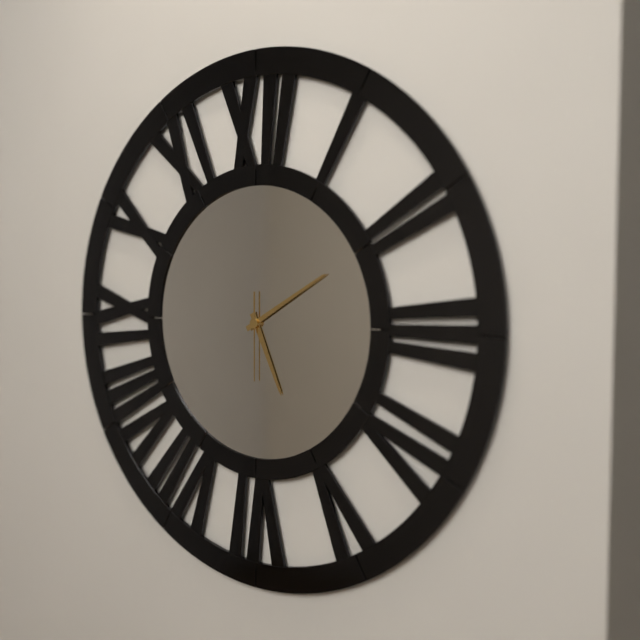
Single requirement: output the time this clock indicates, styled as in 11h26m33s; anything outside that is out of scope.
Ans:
5h10m30s
